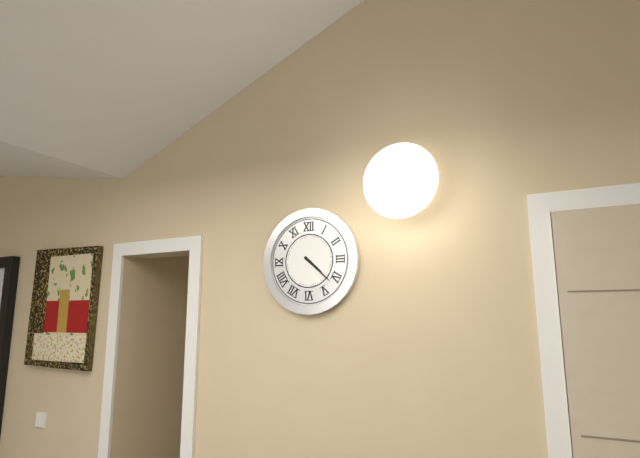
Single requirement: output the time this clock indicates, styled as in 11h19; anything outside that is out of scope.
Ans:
4h22
